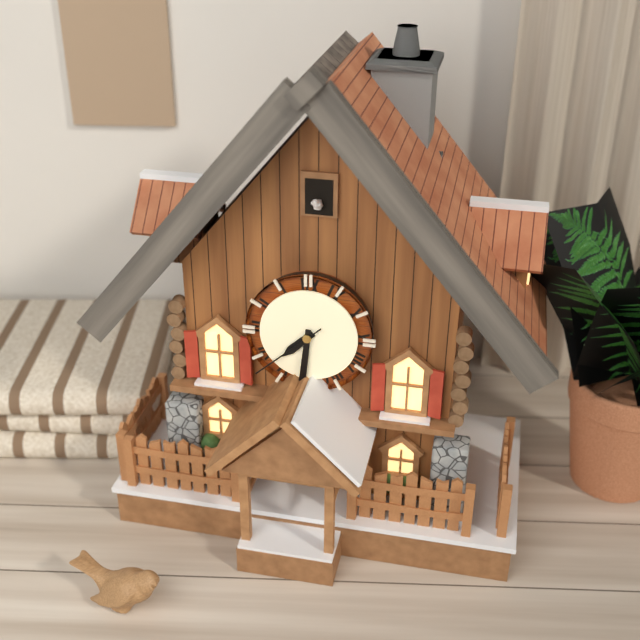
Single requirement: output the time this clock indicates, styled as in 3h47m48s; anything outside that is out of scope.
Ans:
7h31m38s
